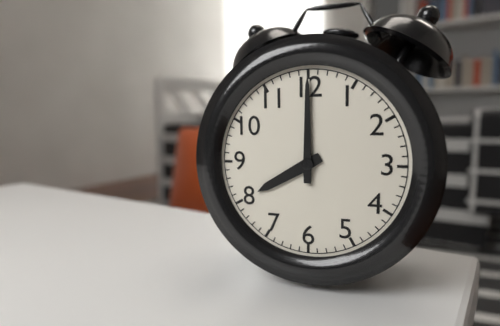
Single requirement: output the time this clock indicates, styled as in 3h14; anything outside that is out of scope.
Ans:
8h00
